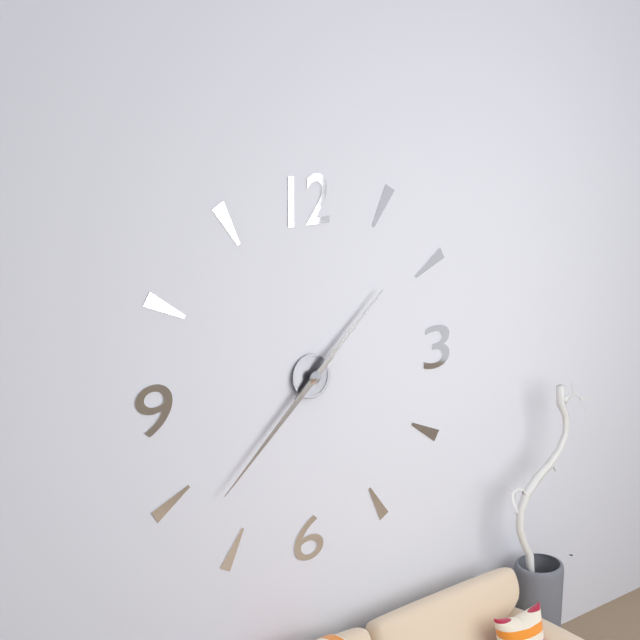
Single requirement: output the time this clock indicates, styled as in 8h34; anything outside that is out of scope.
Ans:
1h38
